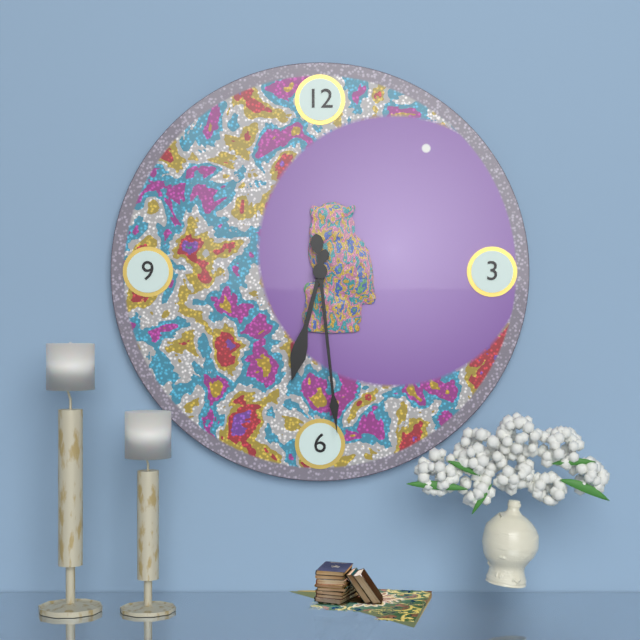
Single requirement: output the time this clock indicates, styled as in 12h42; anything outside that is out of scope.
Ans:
6h29
